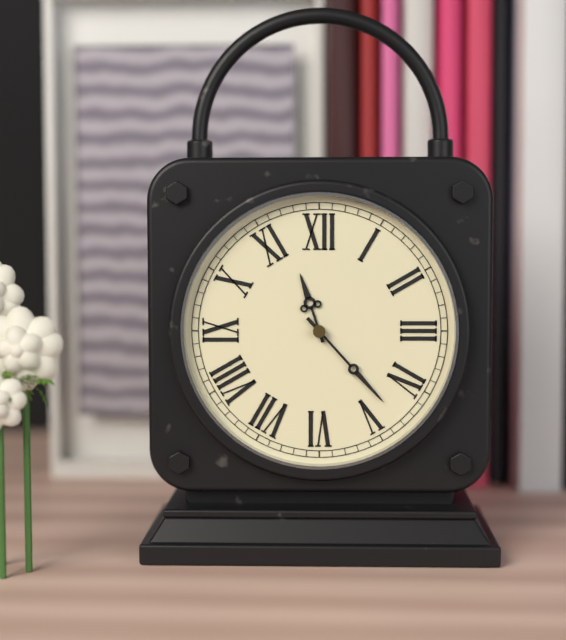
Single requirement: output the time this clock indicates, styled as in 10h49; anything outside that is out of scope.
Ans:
11h23
